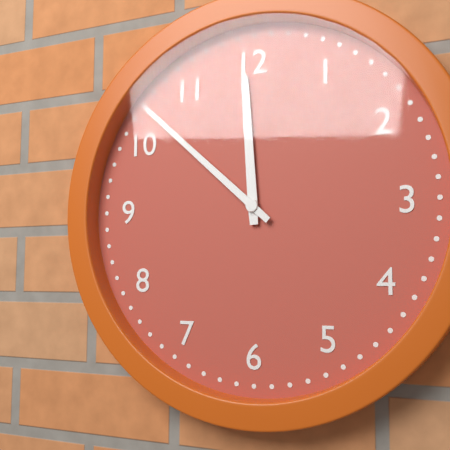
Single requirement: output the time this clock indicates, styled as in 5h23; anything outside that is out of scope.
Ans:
11h52
